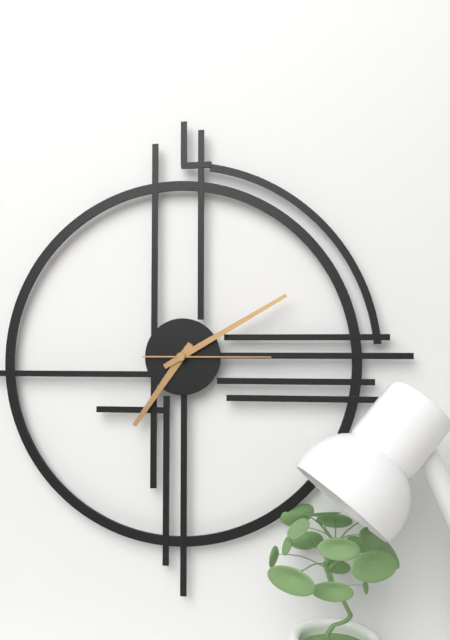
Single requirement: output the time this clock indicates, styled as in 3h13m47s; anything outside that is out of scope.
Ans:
7h10m15s
